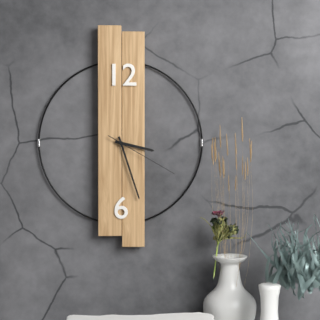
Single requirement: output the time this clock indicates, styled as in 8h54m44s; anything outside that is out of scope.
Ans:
3h27m20s
